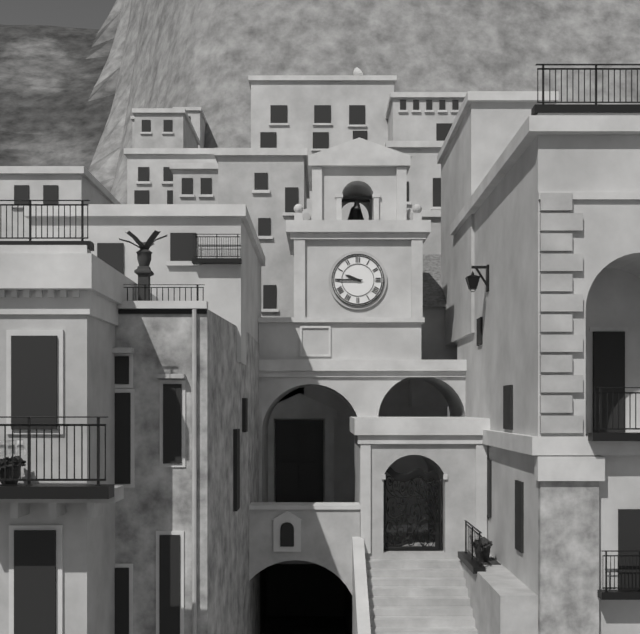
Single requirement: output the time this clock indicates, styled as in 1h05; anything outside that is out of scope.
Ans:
9h45
